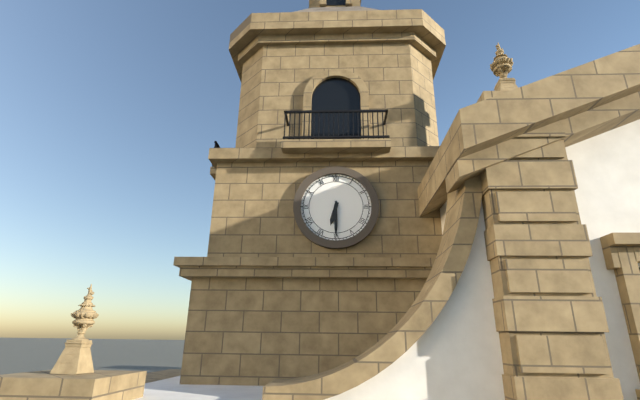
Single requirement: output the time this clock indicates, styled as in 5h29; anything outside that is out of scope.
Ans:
6h30
